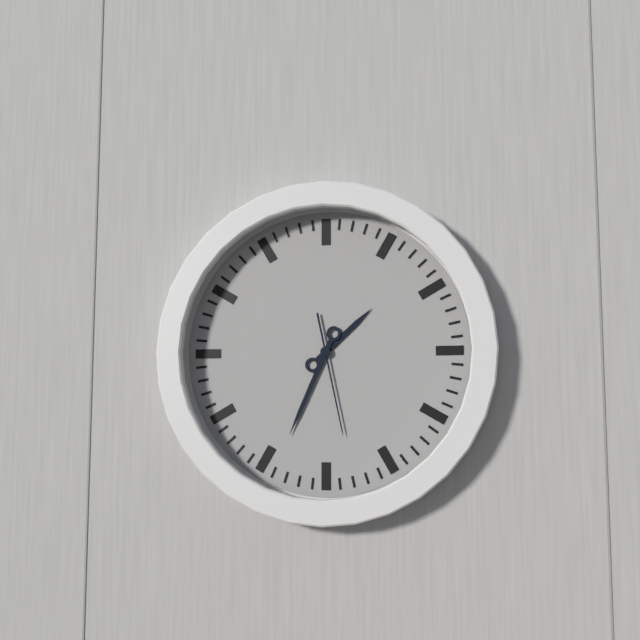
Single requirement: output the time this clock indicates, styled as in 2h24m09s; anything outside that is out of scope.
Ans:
1h34m28s
